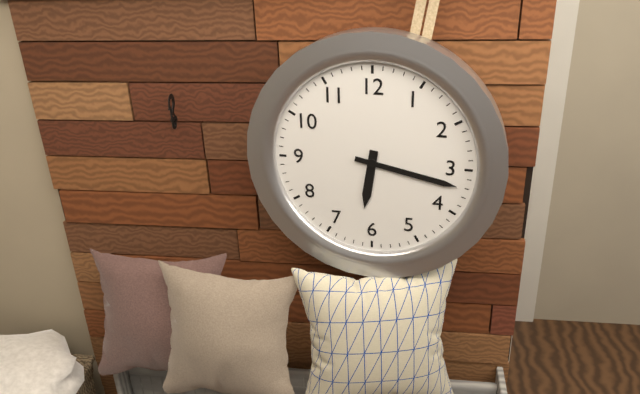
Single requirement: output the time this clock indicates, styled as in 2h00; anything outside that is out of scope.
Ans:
6h17
